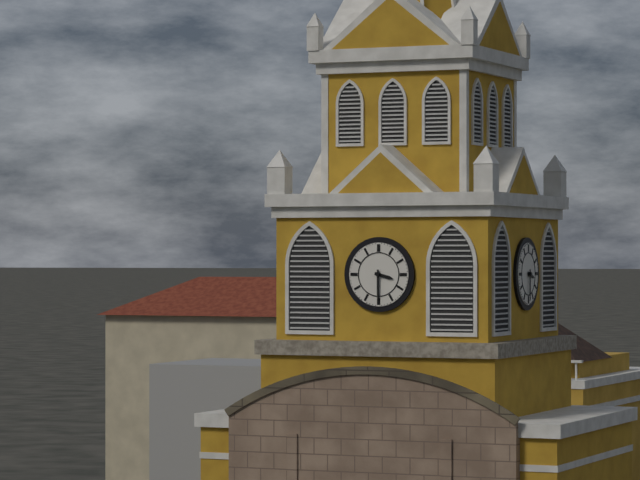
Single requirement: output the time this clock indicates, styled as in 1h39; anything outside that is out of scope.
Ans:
3h30
